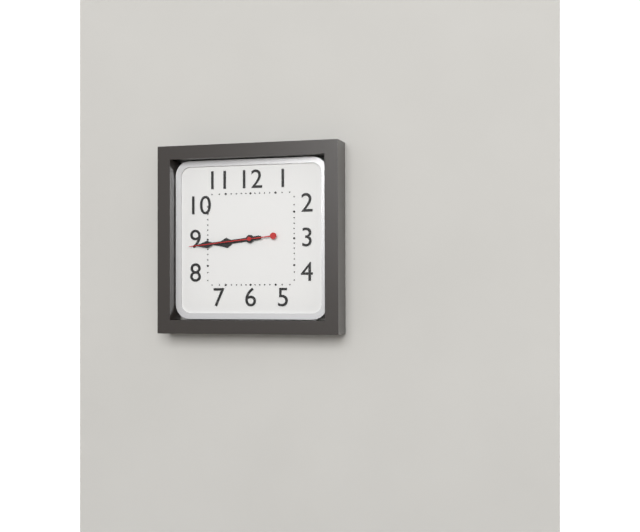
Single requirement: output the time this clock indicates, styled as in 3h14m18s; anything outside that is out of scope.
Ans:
8h44m44s
